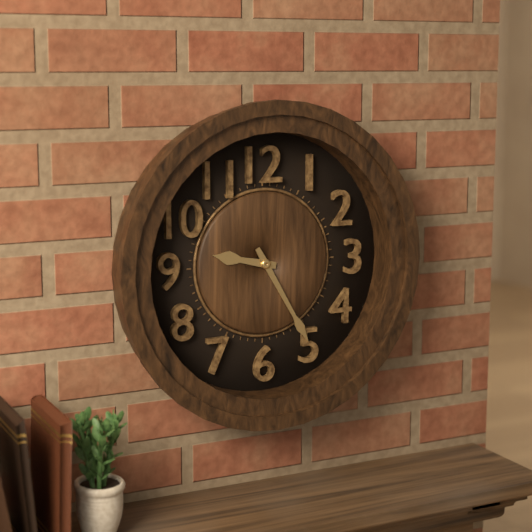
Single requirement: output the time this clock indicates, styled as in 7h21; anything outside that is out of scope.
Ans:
9h25
